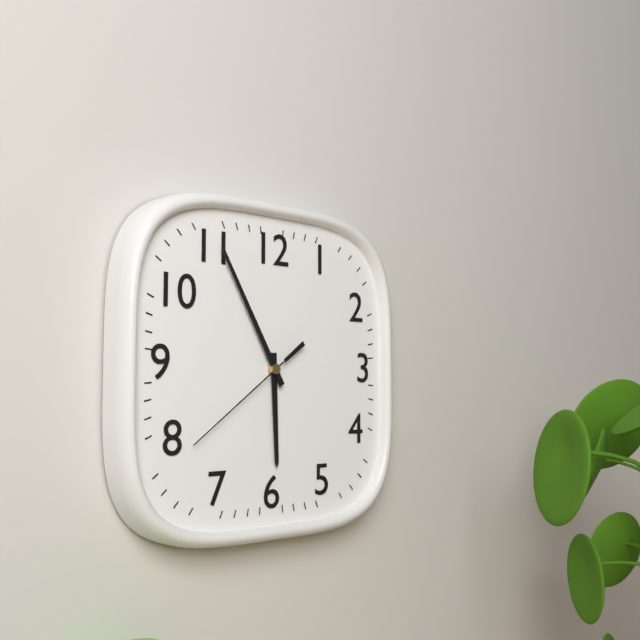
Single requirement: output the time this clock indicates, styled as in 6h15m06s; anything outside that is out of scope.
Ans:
5h55m39s
